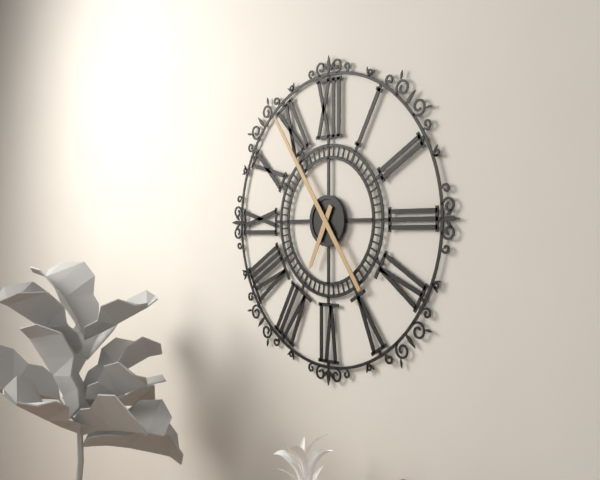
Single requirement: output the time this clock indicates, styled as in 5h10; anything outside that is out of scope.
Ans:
6h54
